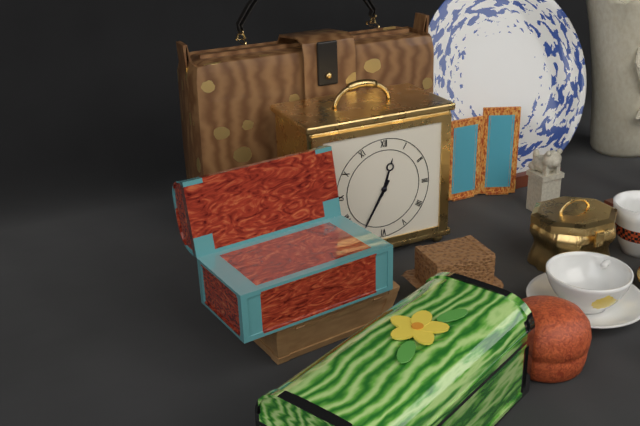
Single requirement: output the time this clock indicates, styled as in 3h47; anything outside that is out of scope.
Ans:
12h35
